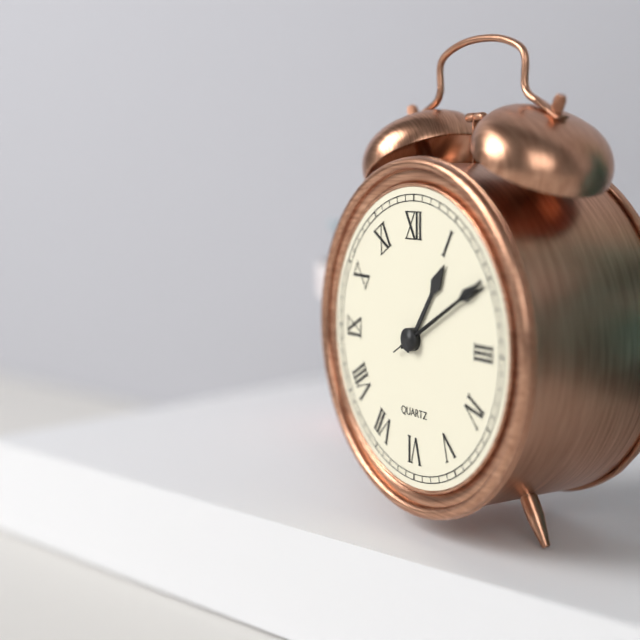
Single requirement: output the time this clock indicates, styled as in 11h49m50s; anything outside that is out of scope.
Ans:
1h10m10s
